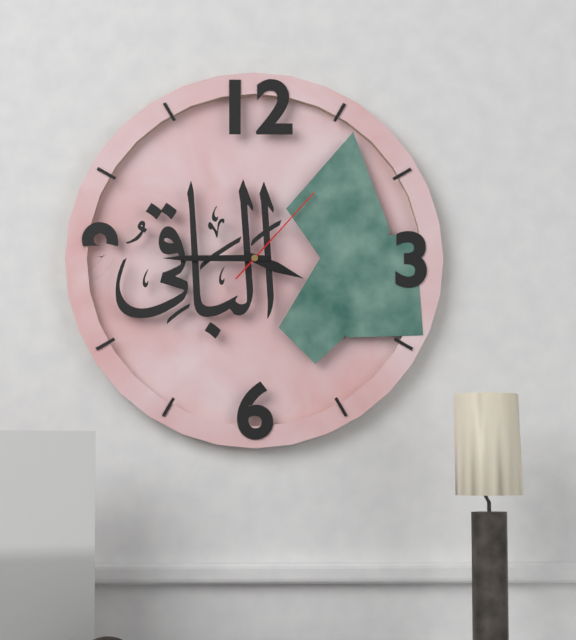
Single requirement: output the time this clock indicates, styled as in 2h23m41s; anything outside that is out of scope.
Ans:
3h45m07s
